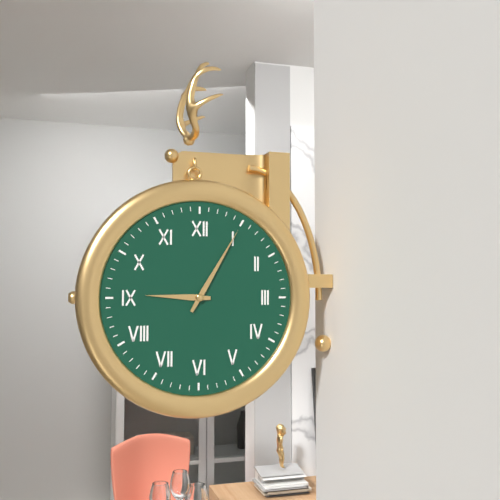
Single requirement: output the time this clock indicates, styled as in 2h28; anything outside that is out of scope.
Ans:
9h05
